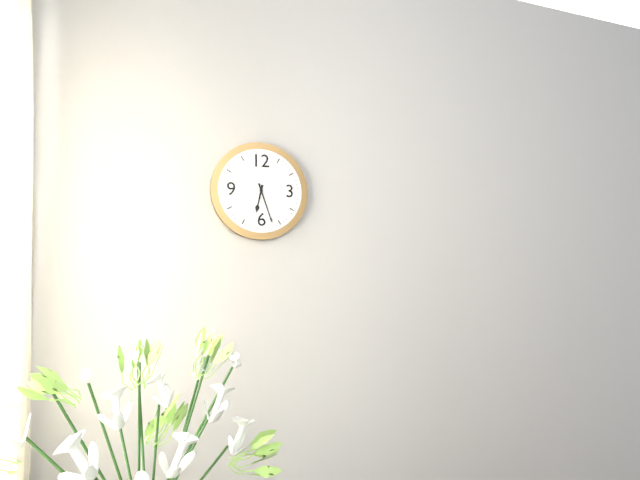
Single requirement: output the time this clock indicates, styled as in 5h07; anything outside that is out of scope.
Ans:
6h27
